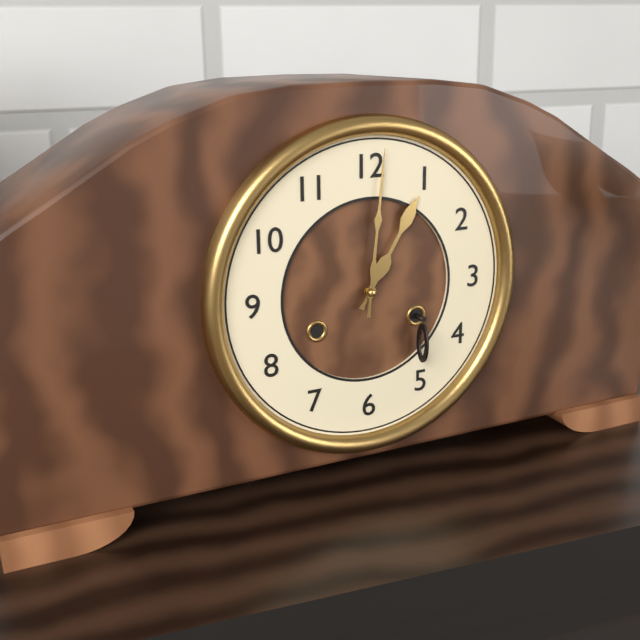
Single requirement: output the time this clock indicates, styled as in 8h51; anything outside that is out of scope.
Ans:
1h01
